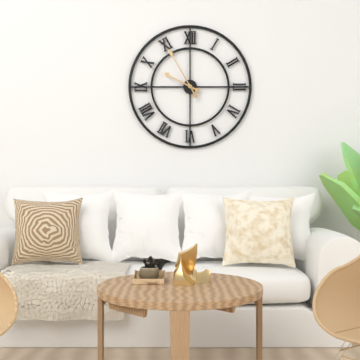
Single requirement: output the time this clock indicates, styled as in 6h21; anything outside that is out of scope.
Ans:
9h55
